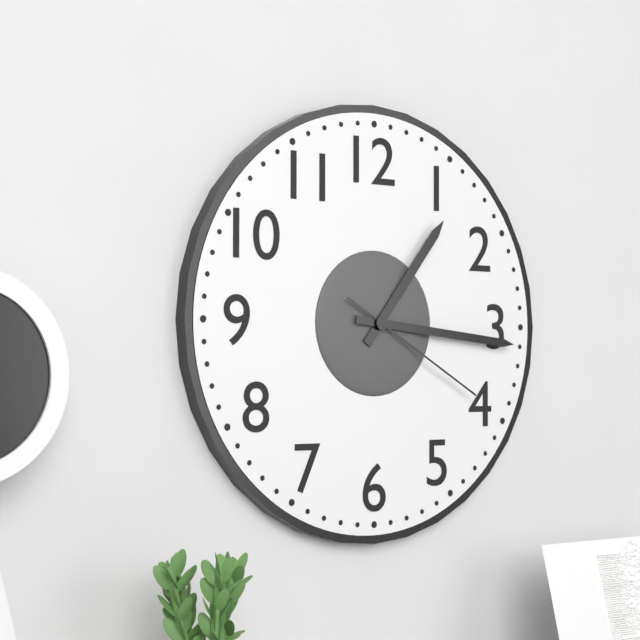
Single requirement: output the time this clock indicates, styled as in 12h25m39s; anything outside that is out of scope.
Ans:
1h16m20s
